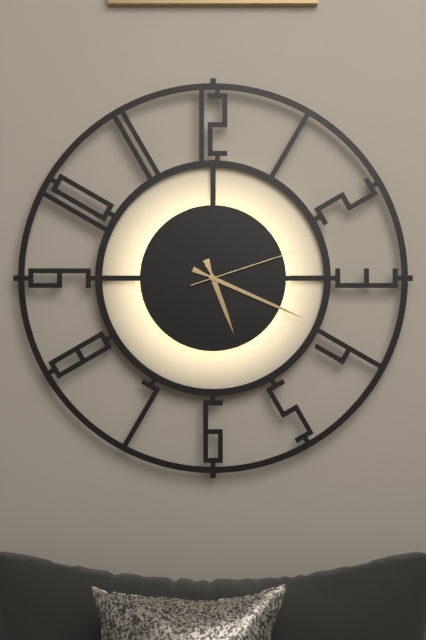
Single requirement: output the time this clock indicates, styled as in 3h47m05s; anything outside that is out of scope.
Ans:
5h19m12s
